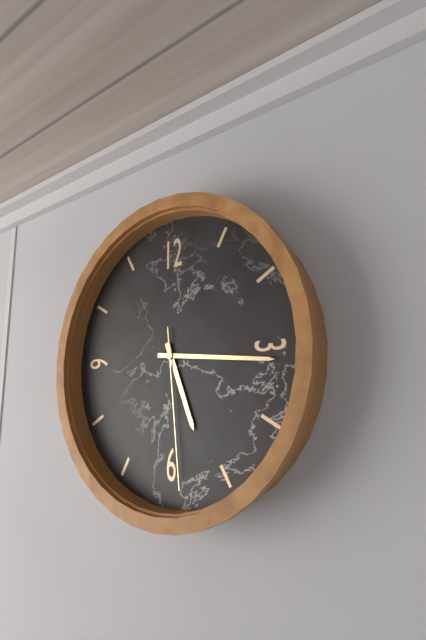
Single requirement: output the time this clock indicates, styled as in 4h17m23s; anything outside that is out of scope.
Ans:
5h16m29s
